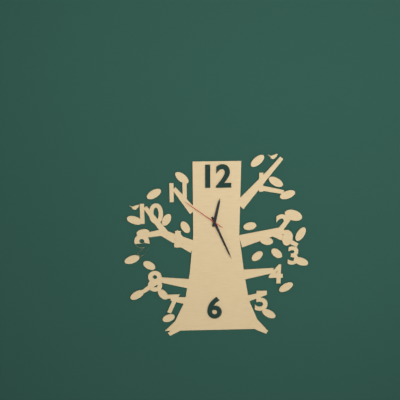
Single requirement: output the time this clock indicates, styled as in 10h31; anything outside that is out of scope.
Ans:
12h26
